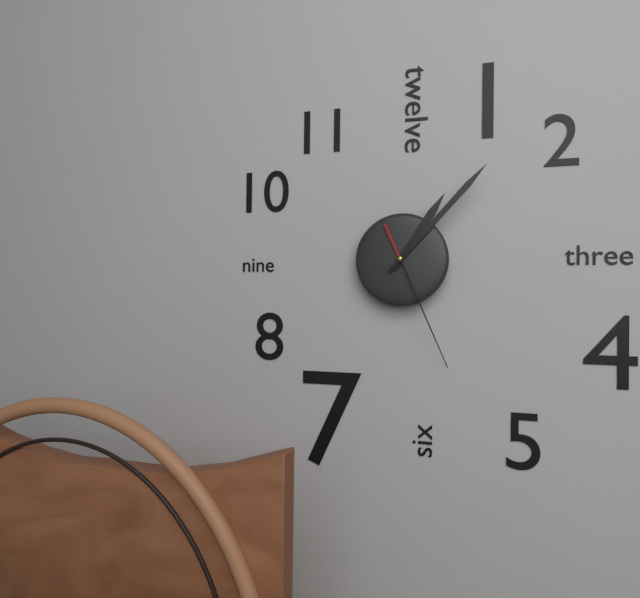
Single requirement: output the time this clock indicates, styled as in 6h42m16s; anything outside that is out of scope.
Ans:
1h07m26s
